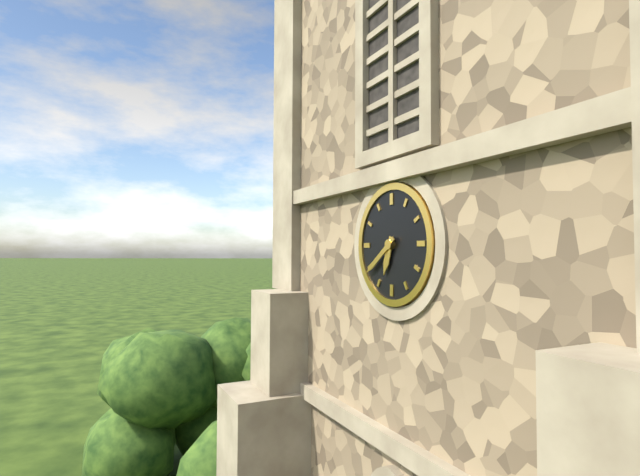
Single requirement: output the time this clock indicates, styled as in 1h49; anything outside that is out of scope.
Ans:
6h39
